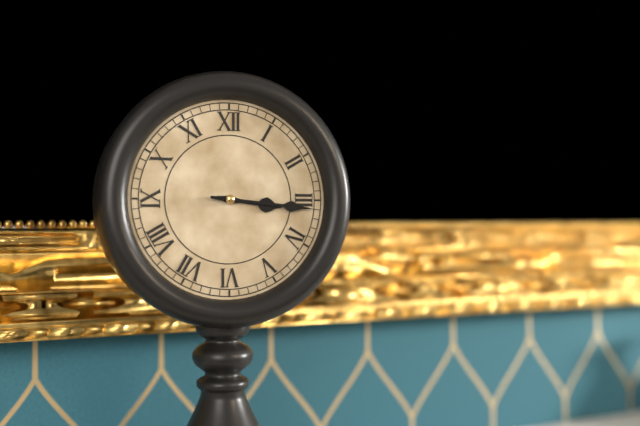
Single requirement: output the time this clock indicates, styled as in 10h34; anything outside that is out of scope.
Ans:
3h16
